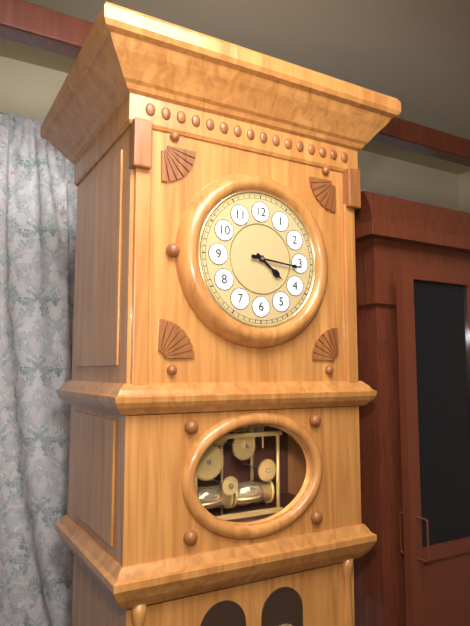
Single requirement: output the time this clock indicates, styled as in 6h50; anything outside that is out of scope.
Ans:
4h16
